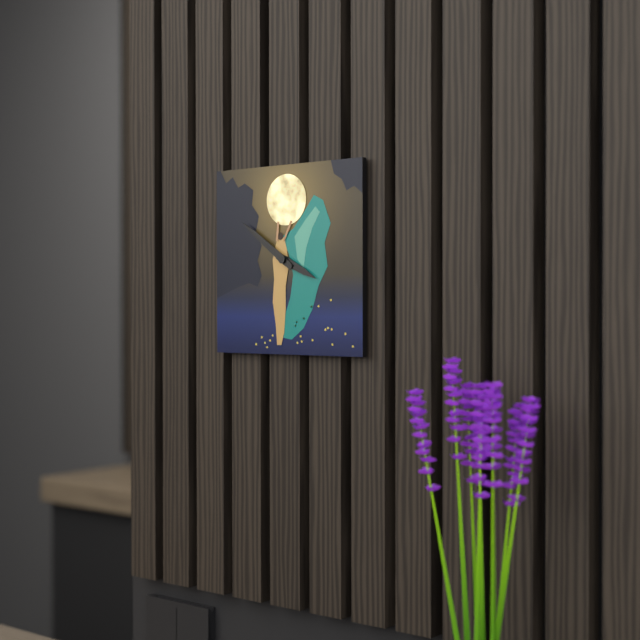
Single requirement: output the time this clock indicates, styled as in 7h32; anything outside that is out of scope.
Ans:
3h51
